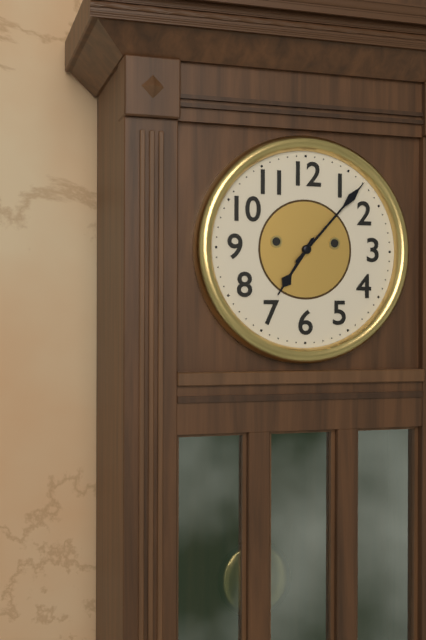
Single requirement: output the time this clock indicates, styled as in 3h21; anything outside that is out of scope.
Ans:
7h07
